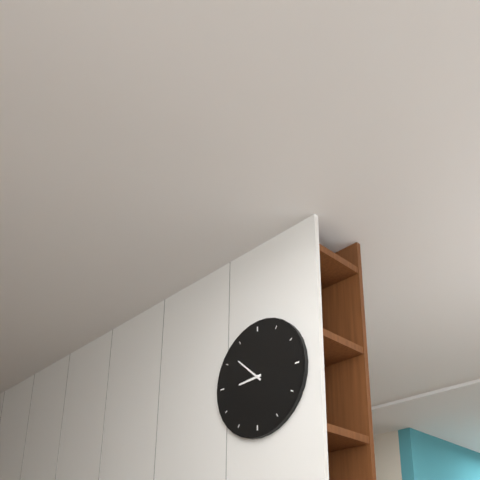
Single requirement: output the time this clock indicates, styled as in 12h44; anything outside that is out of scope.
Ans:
8h52
